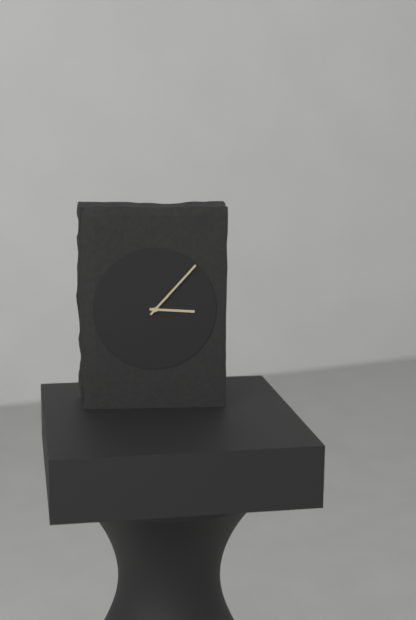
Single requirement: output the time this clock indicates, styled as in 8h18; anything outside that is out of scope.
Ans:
3h07
